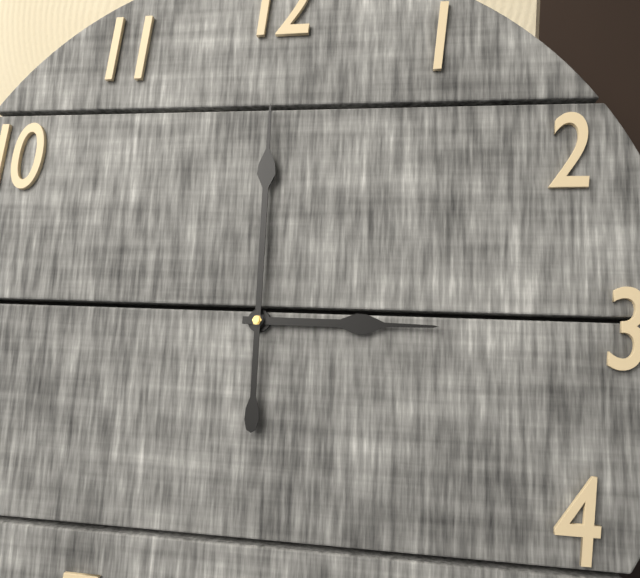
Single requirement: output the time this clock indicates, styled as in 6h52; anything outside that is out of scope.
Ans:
3h00
